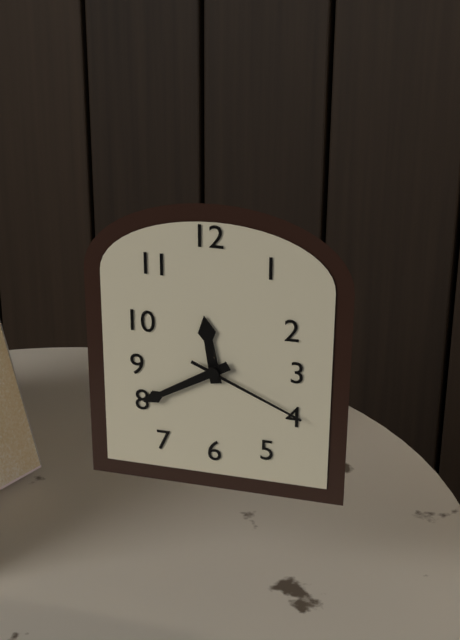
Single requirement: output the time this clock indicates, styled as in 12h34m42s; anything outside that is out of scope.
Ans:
11h40m19s
